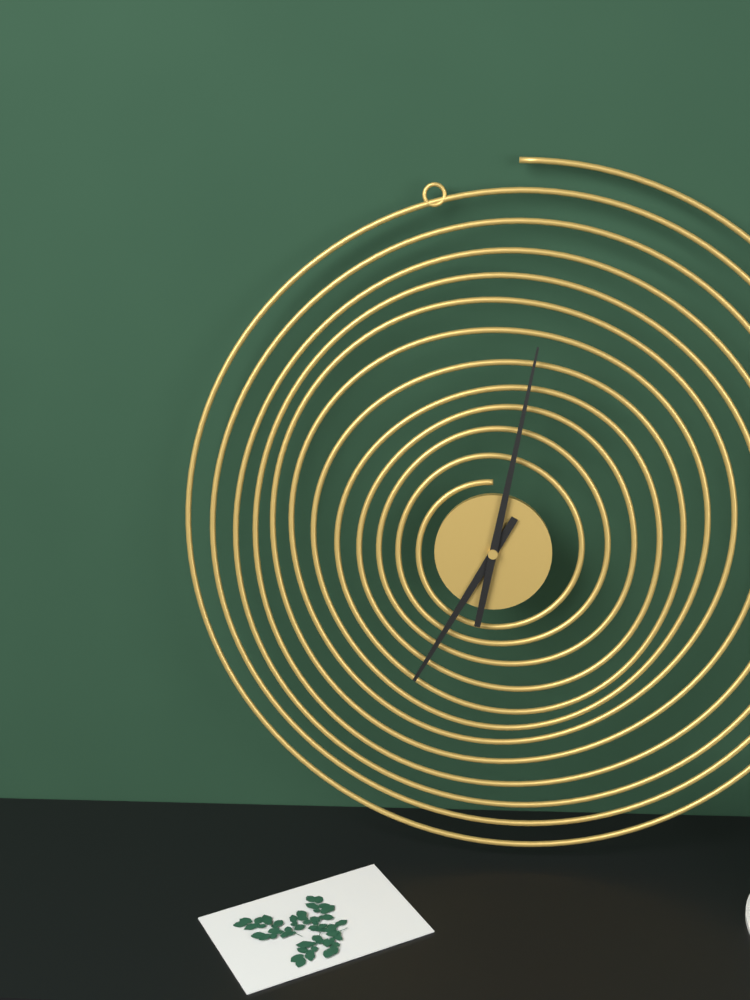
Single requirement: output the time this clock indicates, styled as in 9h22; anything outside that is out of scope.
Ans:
7h02
